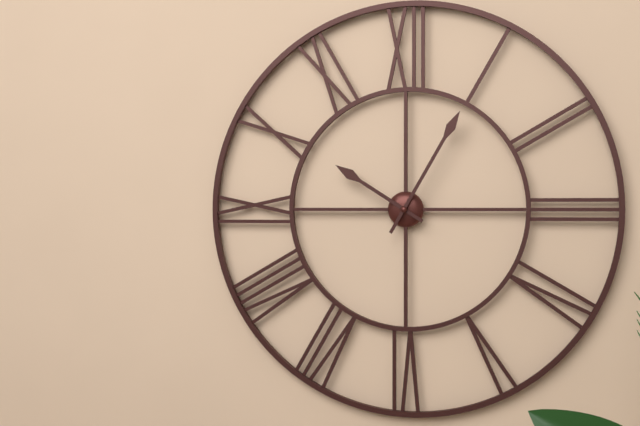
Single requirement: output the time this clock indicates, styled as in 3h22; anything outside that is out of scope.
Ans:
10h05
